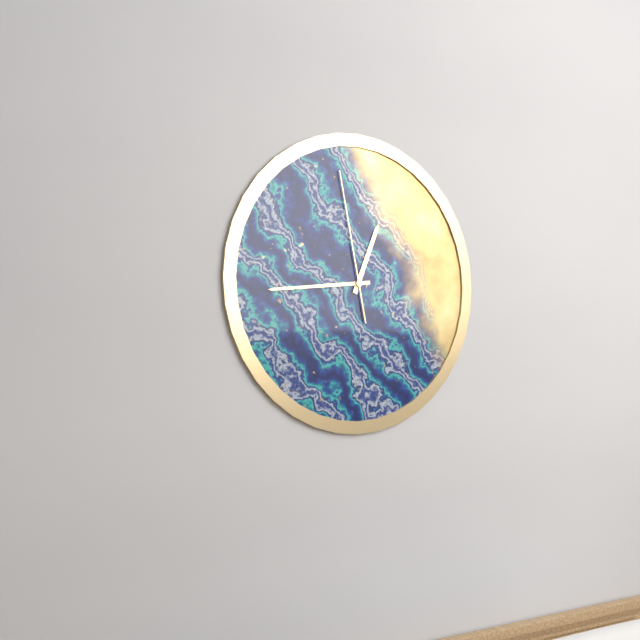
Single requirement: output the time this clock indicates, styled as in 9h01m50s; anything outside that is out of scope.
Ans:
12h44m58s
